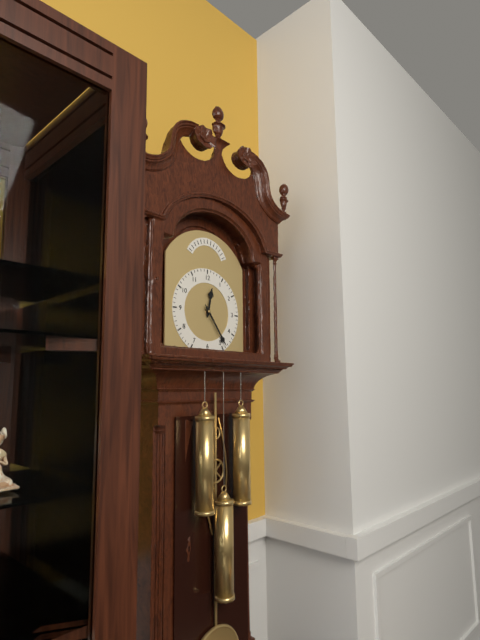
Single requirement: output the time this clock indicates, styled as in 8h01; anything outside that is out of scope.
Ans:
12h24
